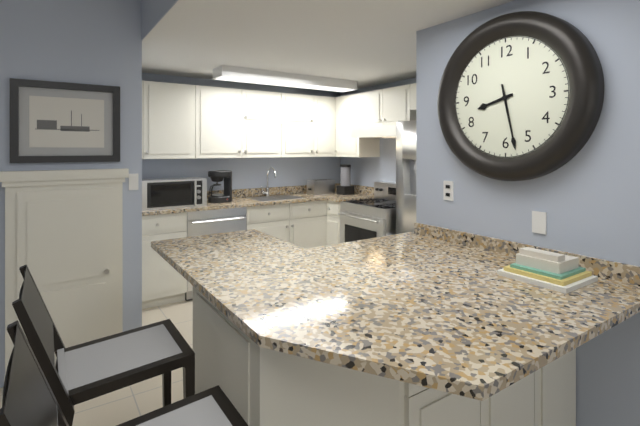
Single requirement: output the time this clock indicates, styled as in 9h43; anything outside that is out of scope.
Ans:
8h28
